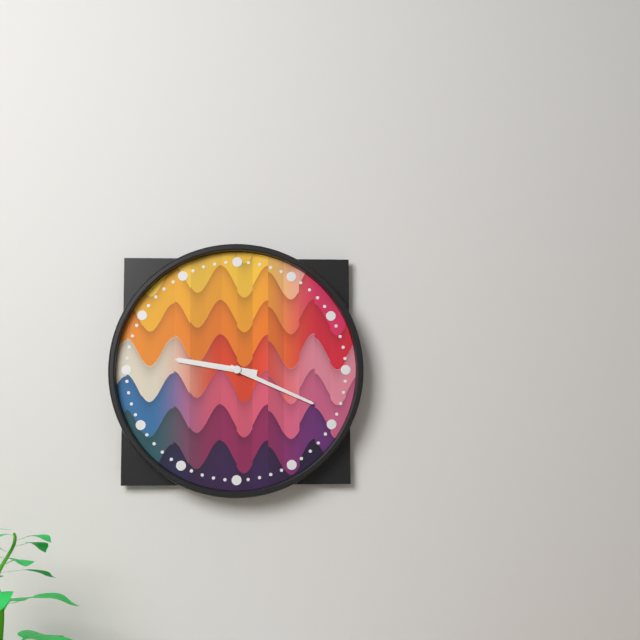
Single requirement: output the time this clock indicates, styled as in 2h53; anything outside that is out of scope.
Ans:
9h19
